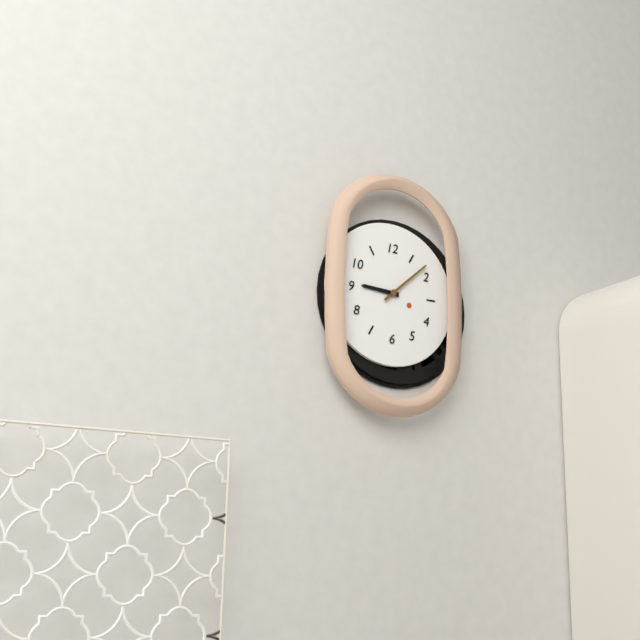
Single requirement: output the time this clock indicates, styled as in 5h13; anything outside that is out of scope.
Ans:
9h08
